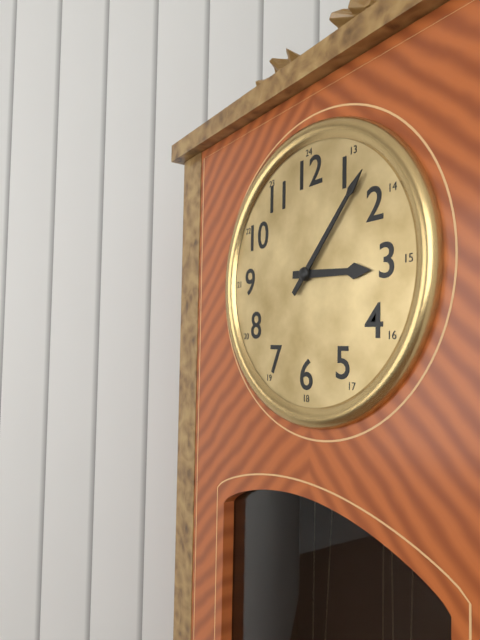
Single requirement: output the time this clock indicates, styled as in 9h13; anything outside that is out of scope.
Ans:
3h07
